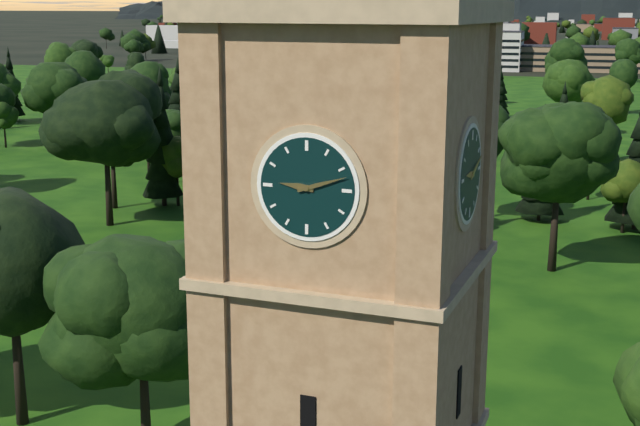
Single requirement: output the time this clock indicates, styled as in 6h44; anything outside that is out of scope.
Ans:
9h12
